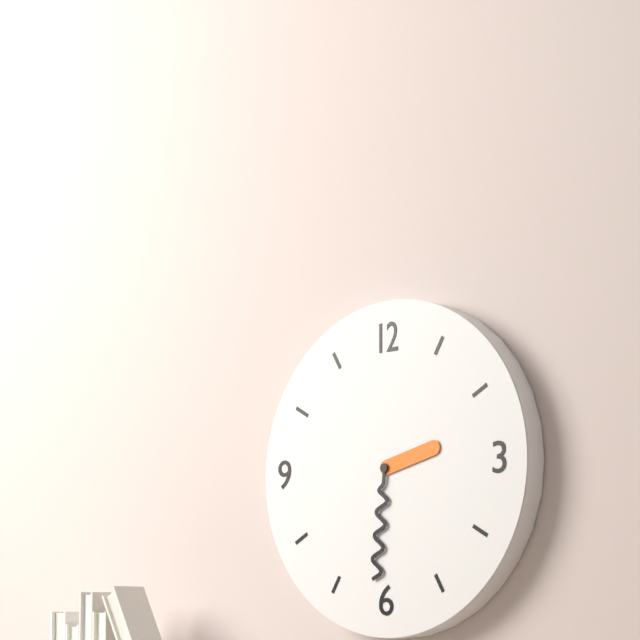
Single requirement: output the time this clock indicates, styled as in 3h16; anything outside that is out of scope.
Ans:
2h31
